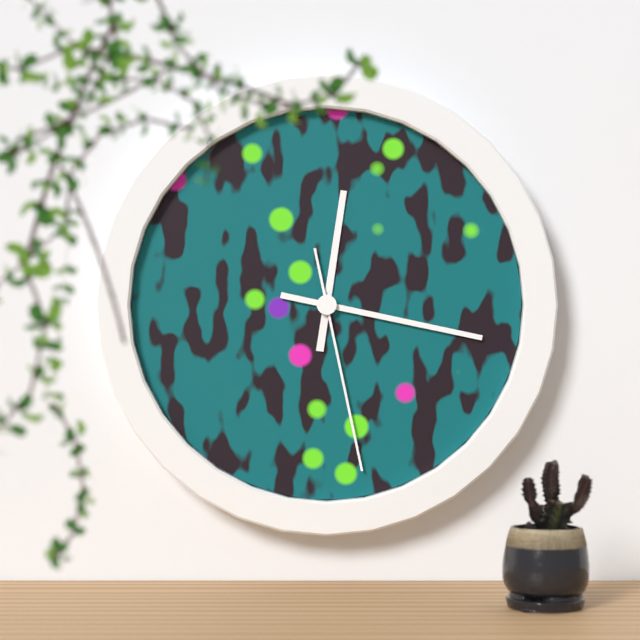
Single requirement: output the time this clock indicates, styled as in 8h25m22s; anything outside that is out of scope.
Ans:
12h17m28s
